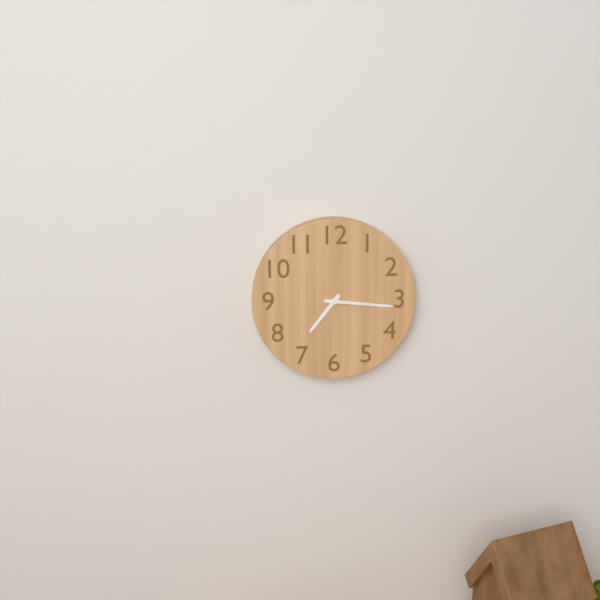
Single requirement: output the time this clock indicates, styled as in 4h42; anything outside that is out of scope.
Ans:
7h16
